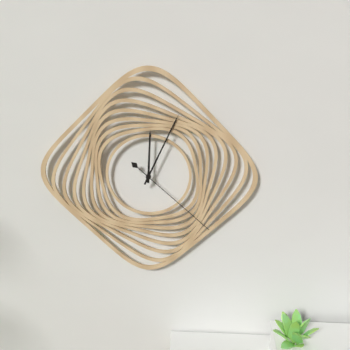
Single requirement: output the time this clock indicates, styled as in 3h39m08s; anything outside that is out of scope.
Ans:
12h04m22s
